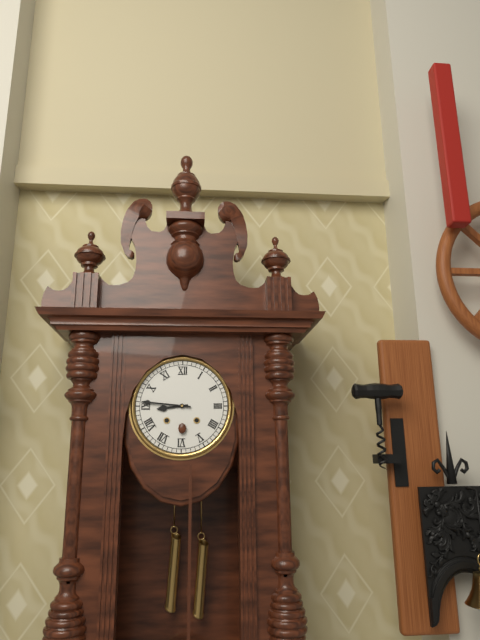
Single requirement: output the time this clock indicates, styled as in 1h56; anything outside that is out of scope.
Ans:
8h46
